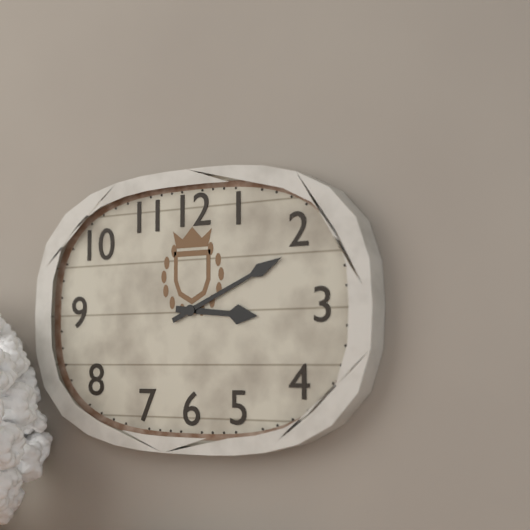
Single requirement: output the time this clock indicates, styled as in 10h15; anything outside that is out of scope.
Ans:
3h11
